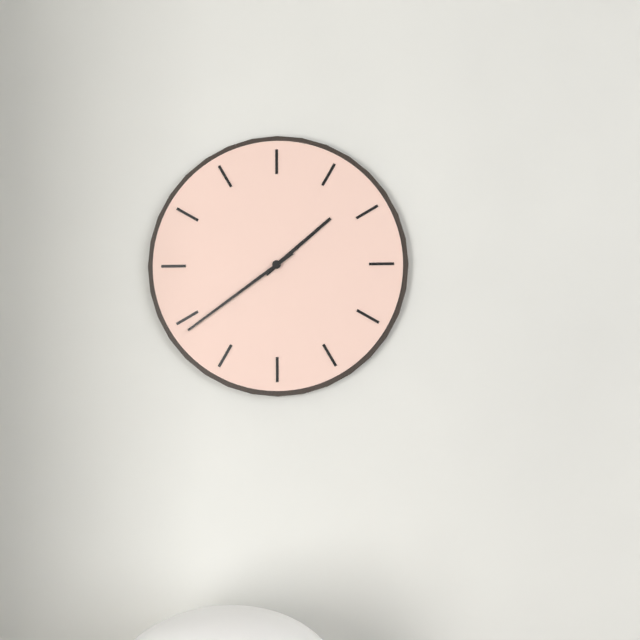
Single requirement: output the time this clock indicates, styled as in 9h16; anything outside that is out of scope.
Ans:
1h39
